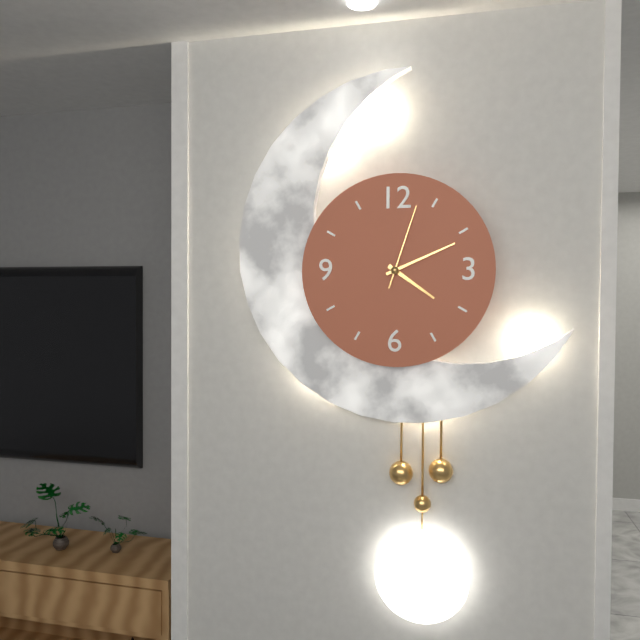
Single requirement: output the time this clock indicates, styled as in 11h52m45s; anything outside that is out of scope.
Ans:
4h11m03s
